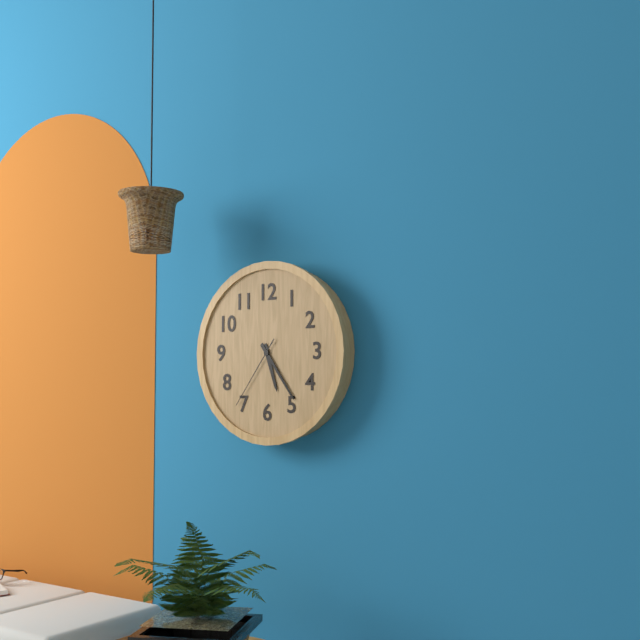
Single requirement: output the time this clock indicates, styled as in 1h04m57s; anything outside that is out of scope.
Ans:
5h24m36s
